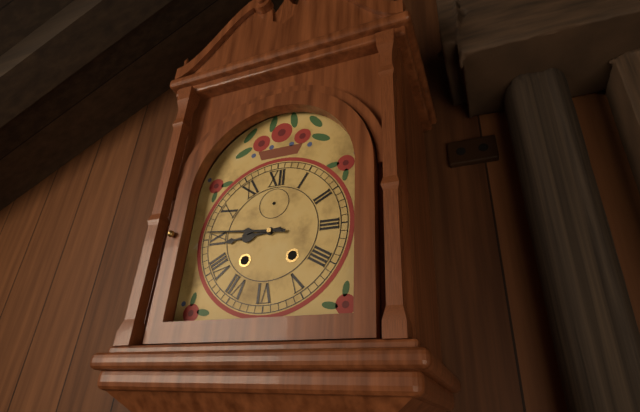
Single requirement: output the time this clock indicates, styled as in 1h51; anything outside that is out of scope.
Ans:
8h46
